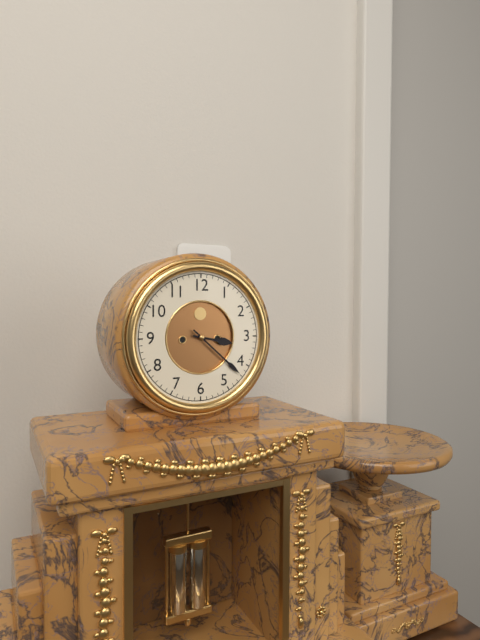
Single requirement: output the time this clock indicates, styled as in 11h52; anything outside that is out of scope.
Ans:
3h22
